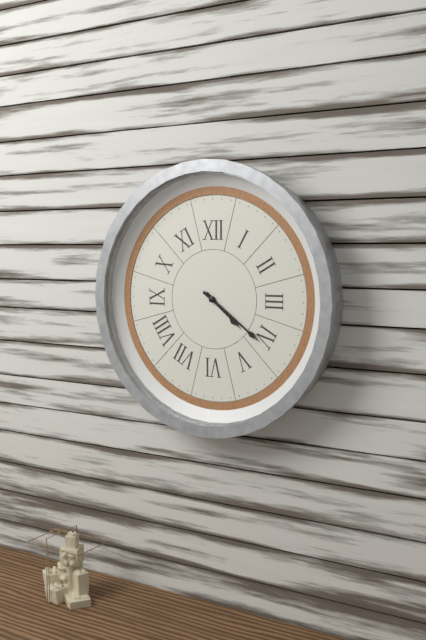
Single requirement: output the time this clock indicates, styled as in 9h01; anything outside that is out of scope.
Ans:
4h21
